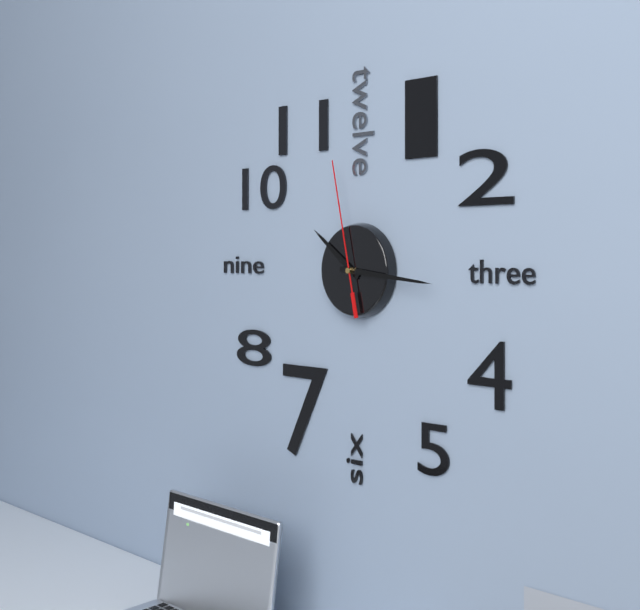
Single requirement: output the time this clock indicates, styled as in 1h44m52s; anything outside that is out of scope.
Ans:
10h16m58s
